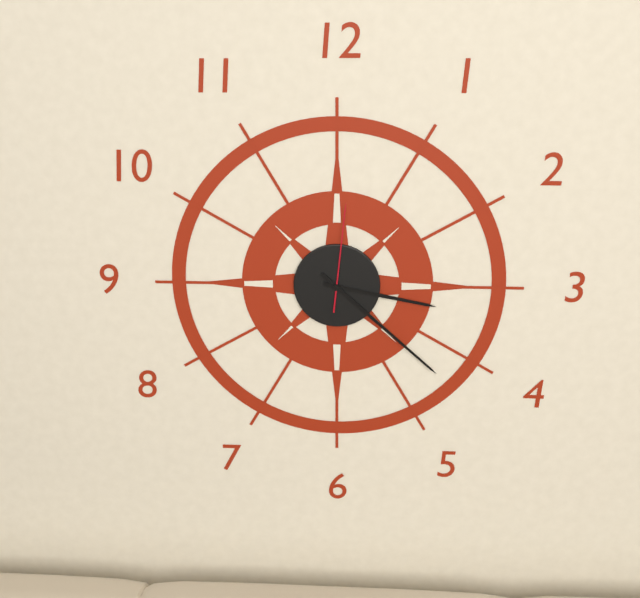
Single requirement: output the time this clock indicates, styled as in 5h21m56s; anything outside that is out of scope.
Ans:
3h22m01s
